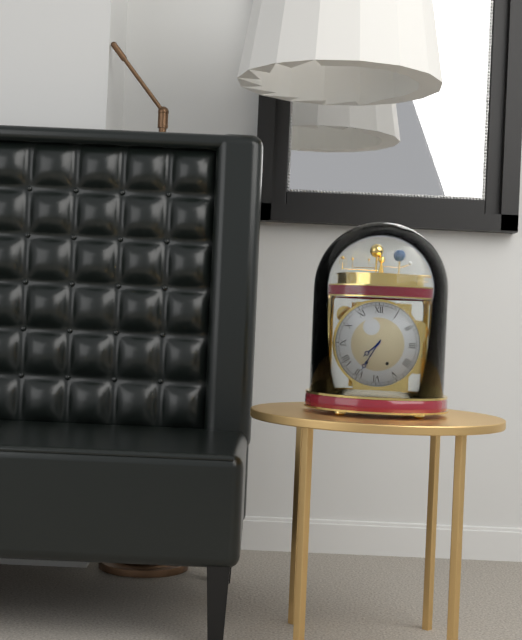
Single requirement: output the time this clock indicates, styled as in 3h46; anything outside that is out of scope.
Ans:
7h35
